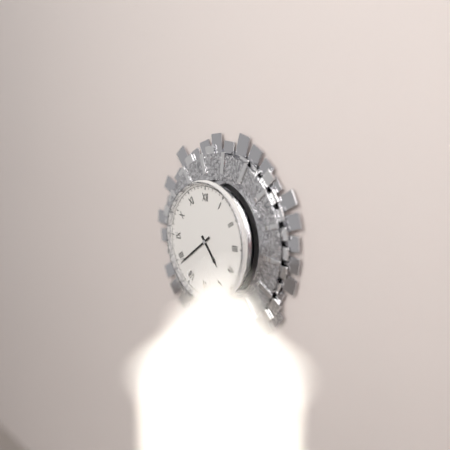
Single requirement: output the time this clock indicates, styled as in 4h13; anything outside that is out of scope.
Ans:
4h39
